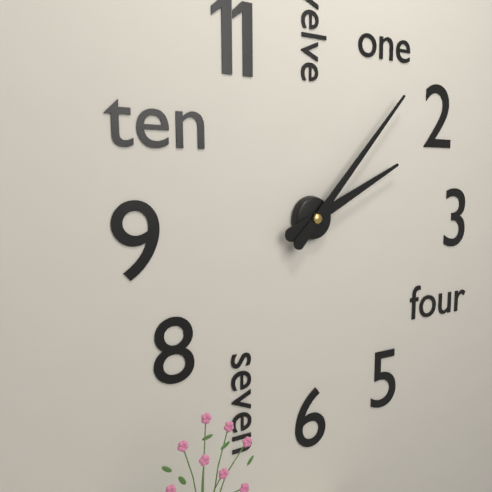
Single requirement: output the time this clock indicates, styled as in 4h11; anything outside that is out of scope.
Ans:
2h07
